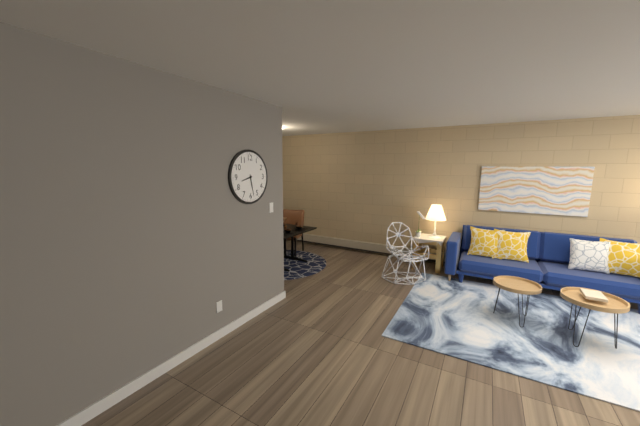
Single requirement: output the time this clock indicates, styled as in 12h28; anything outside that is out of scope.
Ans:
8h28
